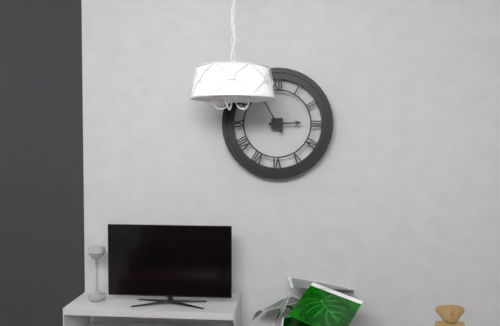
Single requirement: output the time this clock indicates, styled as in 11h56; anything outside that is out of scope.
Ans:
2h55
